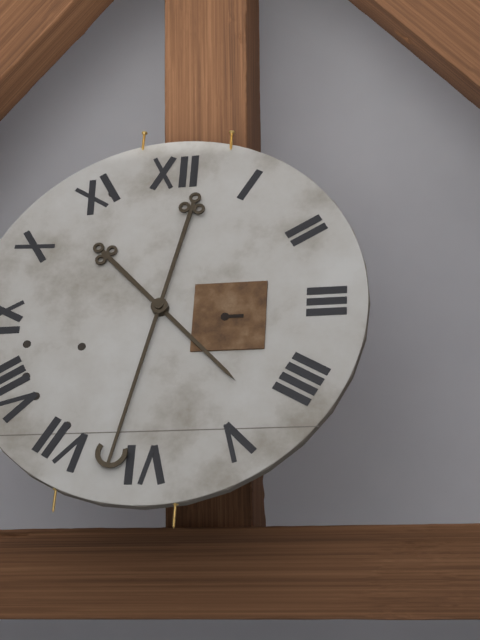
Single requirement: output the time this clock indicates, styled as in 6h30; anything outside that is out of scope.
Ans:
4h32
